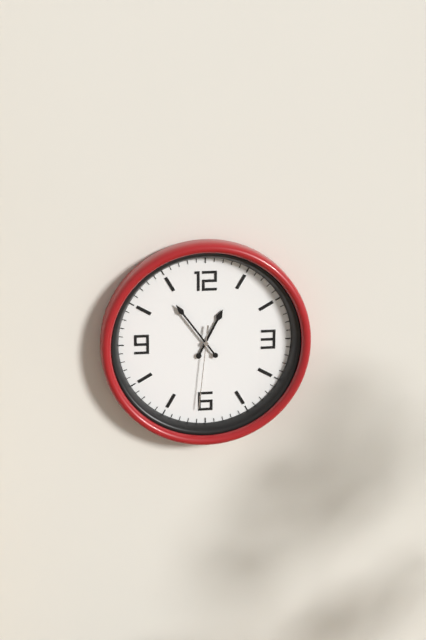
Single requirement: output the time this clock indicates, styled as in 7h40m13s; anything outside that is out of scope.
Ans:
12h54m31s
